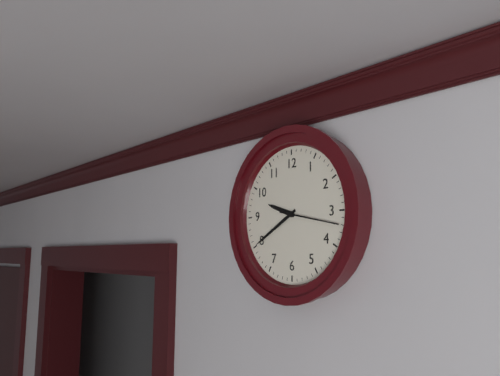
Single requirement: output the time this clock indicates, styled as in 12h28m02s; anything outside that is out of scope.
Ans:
9h40m17s
